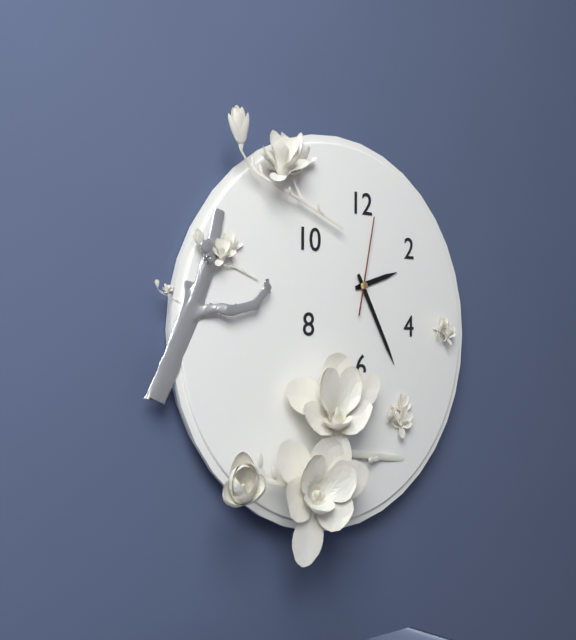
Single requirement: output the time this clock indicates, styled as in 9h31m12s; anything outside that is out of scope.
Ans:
2h25m02s
